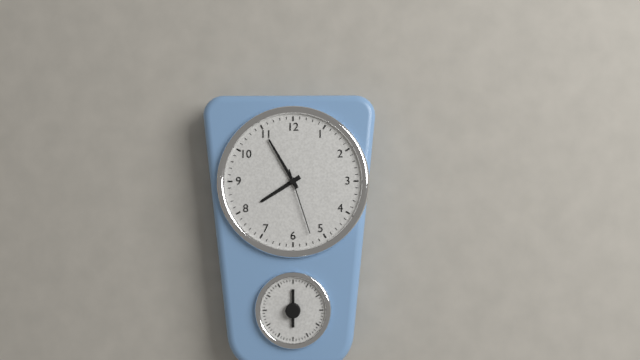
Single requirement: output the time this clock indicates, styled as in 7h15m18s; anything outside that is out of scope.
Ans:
7h55m27s
